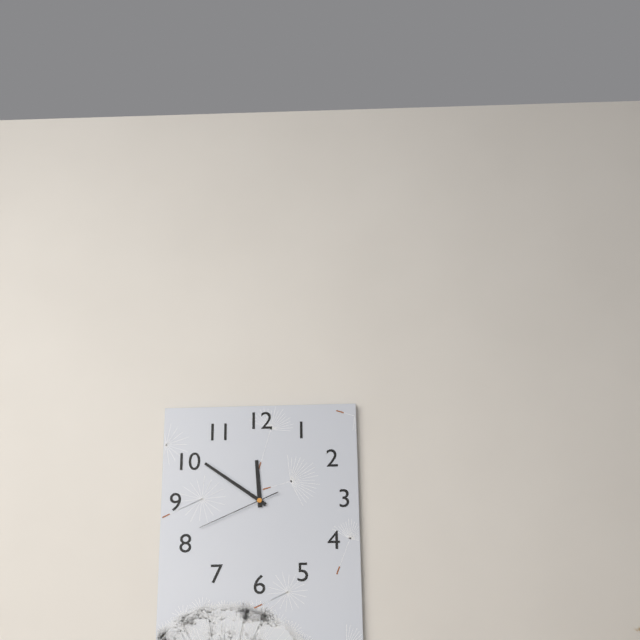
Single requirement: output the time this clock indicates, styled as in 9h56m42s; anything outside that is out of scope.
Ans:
11h51m41s
